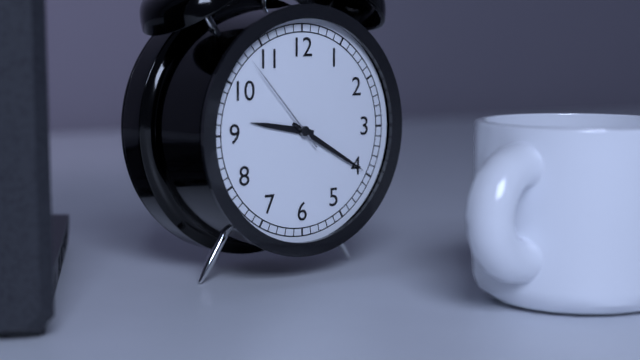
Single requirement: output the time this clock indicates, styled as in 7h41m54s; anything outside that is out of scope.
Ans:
9h20m53s
